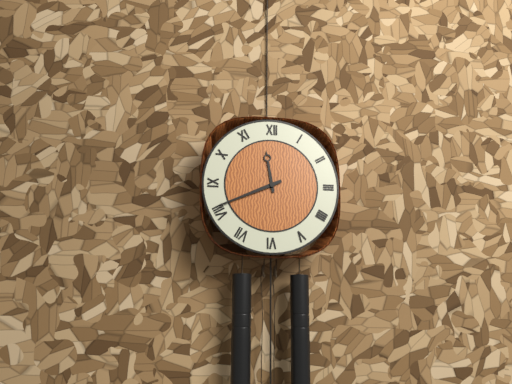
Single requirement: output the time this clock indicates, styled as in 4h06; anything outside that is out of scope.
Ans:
11h41
